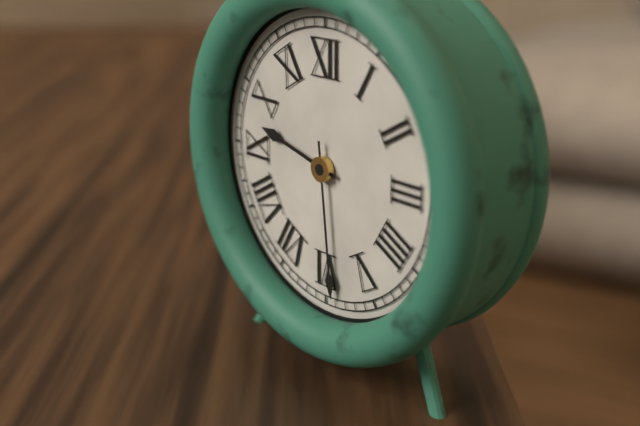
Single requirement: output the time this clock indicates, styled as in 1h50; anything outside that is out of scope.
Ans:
9h29
